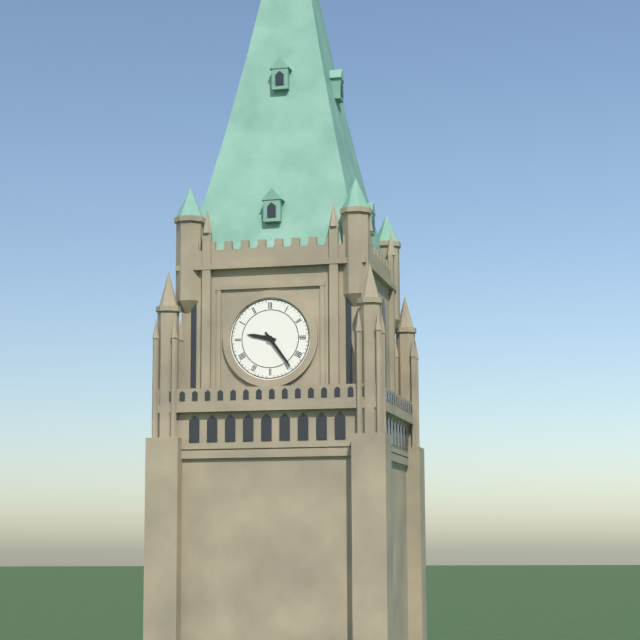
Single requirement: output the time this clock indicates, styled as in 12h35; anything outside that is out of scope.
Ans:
9h24
